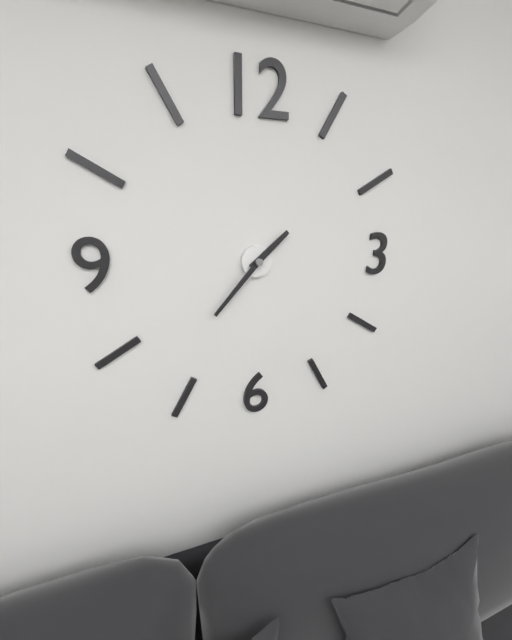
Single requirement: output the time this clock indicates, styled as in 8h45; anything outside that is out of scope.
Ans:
1h37
